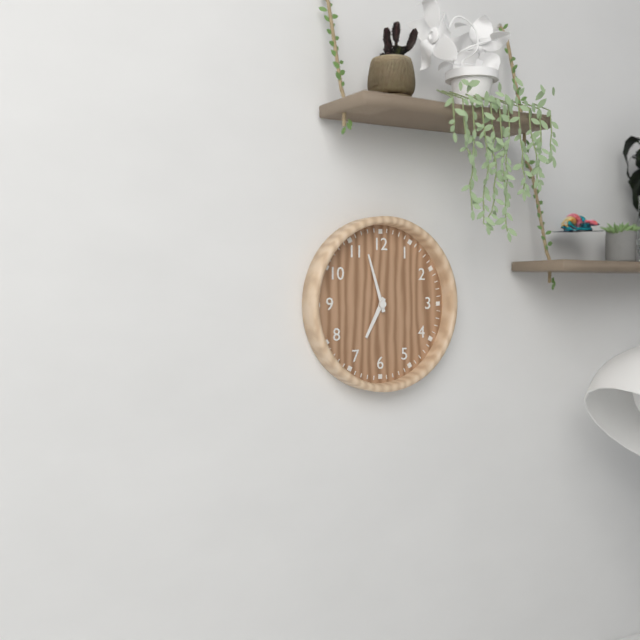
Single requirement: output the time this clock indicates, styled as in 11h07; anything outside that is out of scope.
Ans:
6h57
